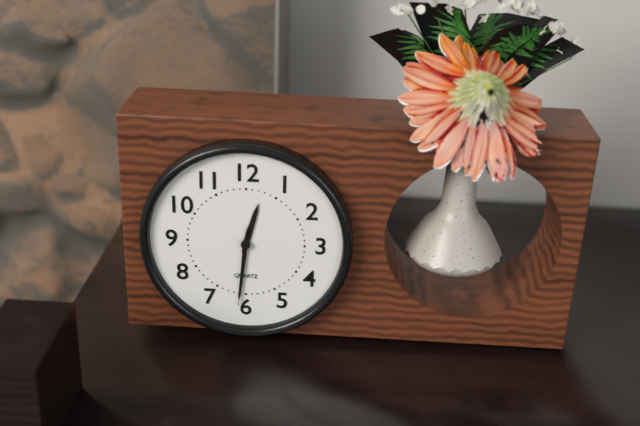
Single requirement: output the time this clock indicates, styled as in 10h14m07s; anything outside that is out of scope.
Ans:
12h31m31s
